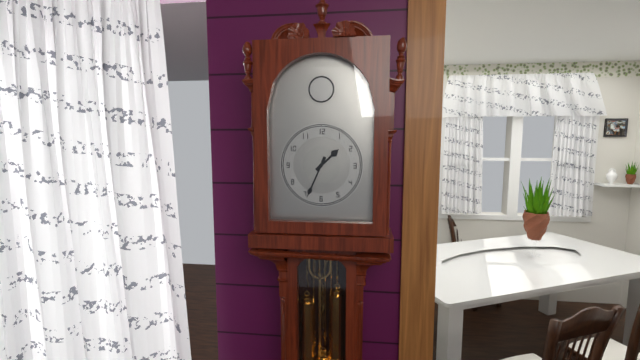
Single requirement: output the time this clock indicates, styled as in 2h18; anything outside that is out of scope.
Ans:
1h34
